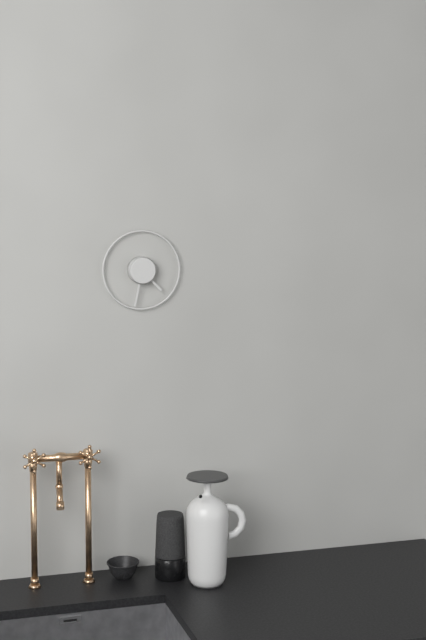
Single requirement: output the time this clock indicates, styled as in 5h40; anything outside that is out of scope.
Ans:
4h32
